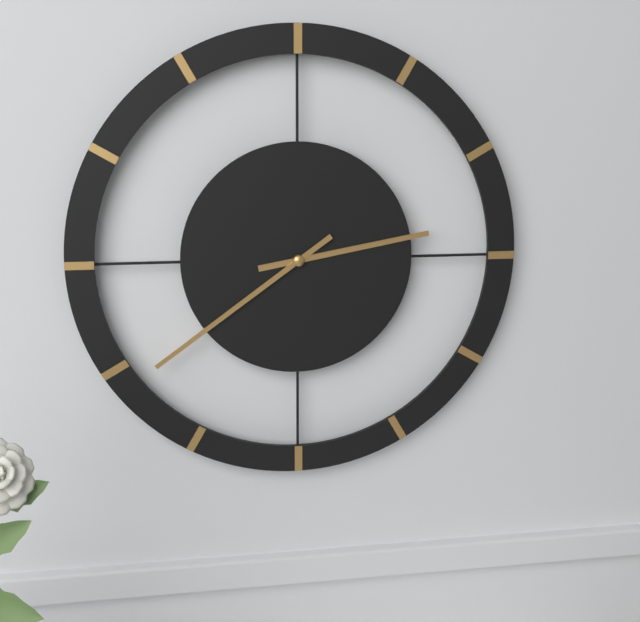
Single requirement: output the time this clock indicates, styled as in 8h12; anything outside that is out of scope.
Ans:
2h39
